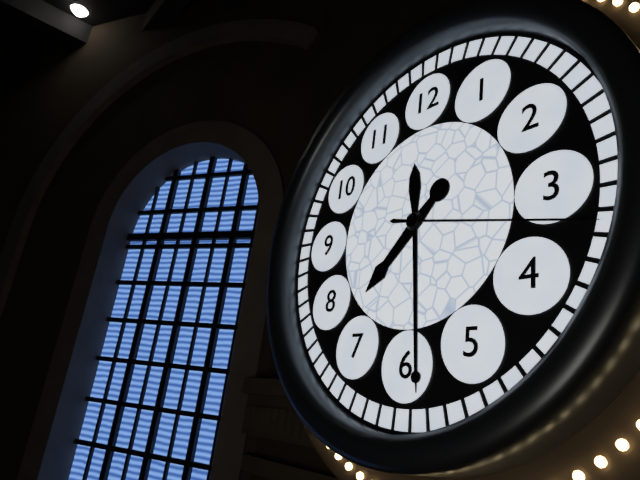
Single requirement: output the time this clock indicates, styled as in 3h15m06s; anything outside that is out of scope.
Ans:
7h29m17s
